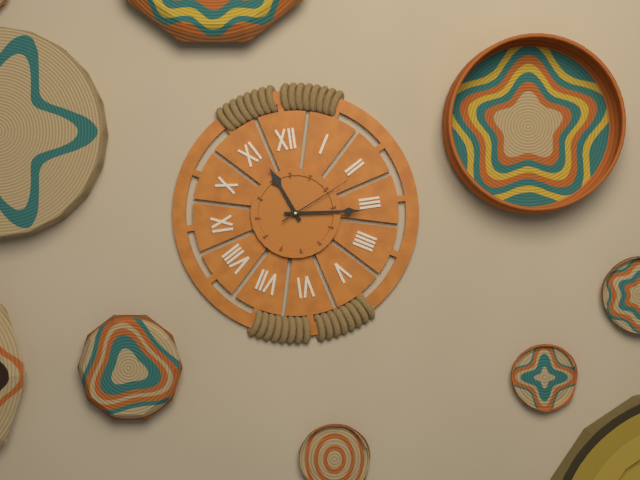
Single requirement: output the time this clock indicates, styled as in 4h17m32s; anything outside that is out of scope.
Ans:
11h16m11s
